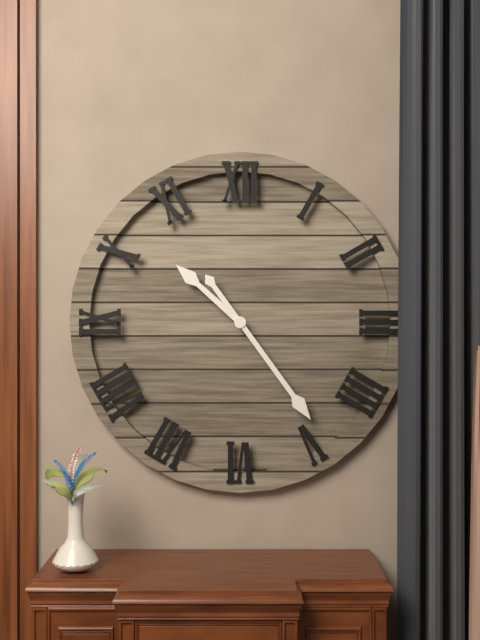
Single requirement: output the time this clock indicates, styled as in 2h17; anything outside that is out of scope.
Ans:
10h24
